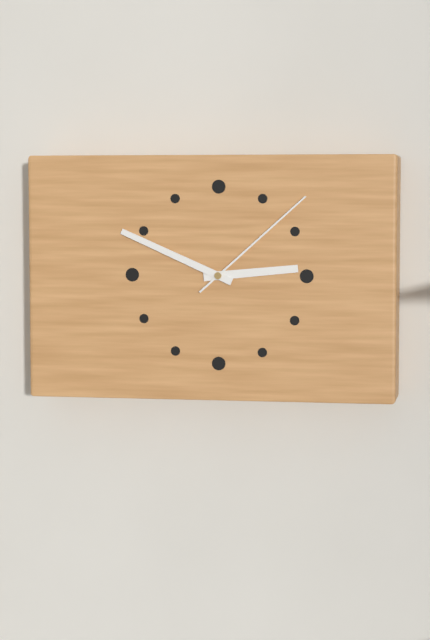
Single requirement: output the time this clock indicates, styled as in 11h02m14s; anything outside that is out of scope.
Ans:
2h49m08s
